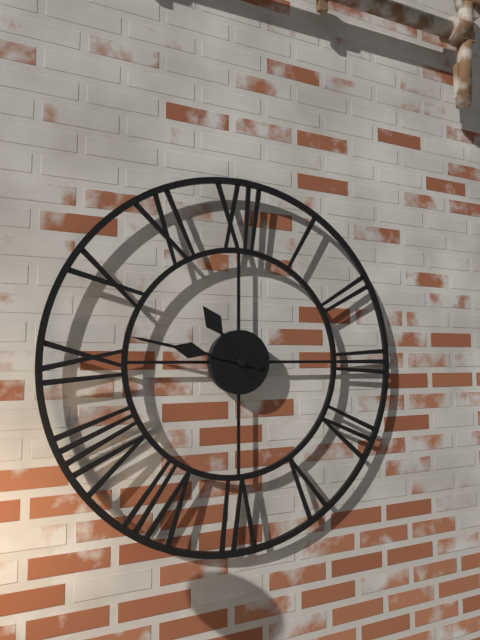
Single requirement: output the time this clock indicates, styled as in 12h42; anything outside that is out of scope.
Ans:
10h47
